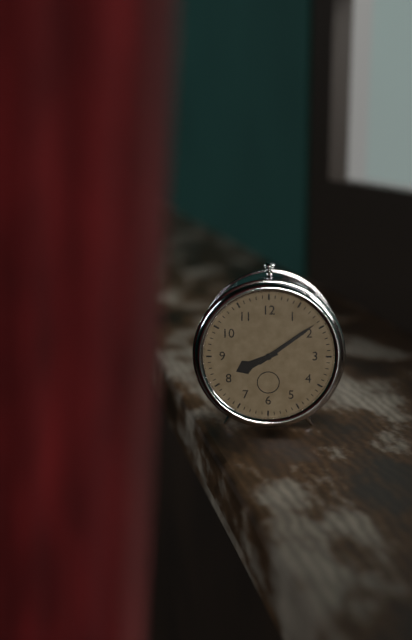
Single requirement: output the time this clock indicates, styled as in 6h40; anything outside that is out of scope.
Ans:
8h09
